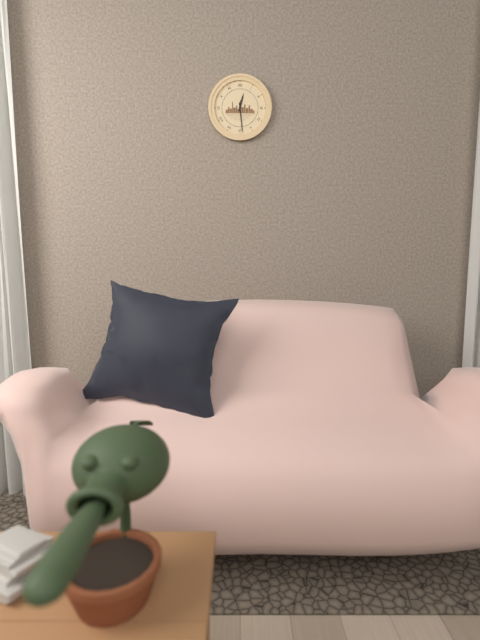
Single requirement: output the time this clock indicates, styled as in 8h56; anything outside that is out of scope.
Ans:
12h29
